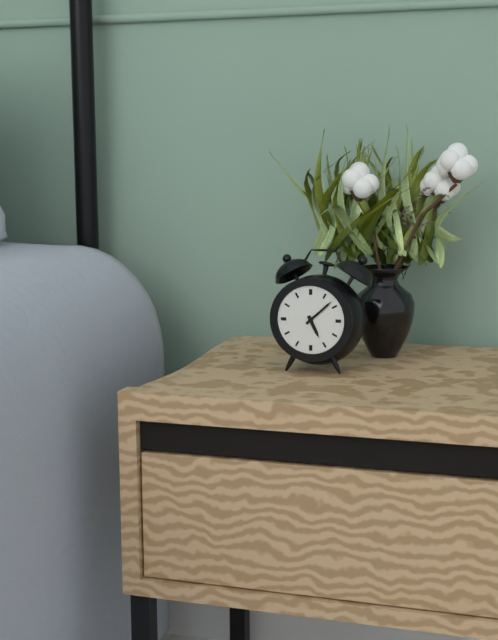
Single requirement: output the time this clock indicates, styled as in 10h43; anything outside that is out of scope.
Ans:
5h08
